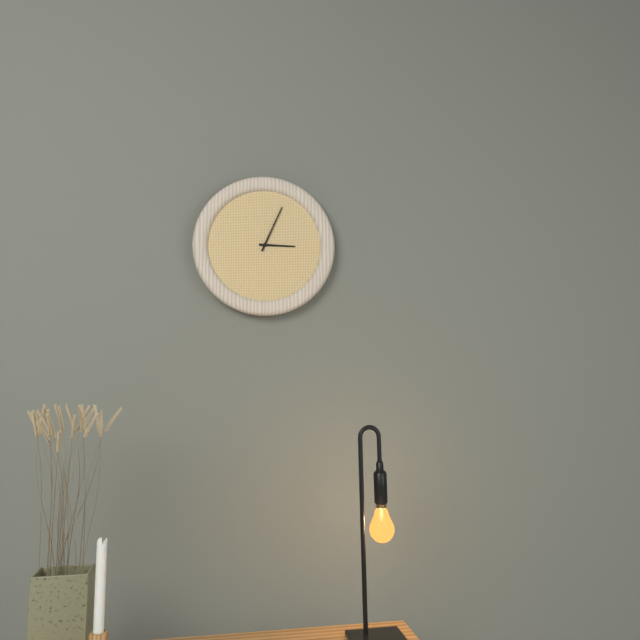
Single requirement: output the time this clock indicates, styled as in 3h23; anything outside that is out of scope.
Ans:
3h04
